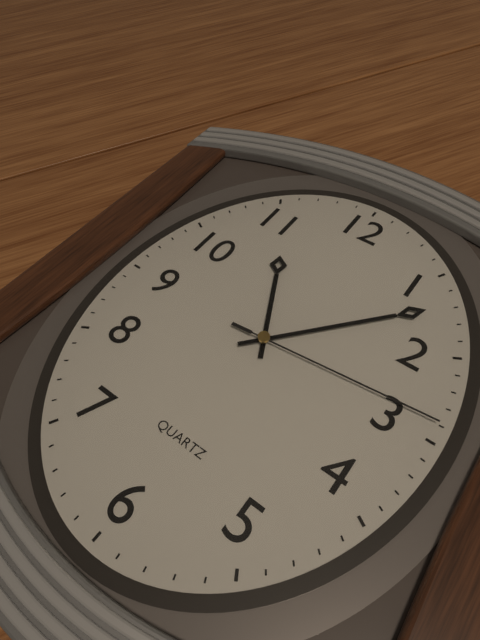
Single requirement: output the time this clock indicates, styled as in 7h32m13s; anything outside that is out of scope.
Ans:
11h07m14s
